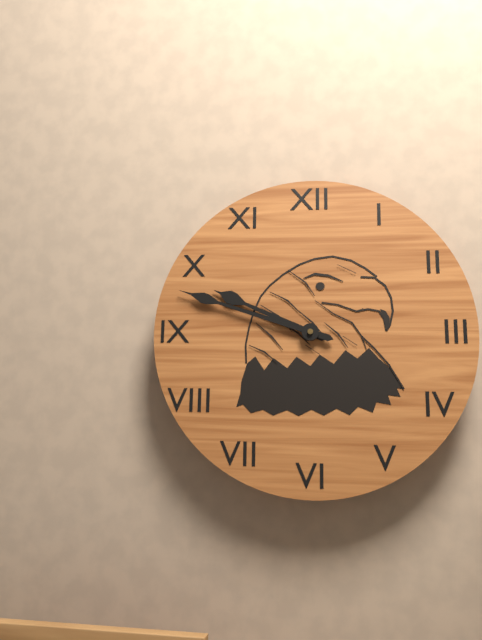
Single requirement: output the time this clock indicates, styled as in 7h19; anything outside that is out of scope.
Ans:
9h48
